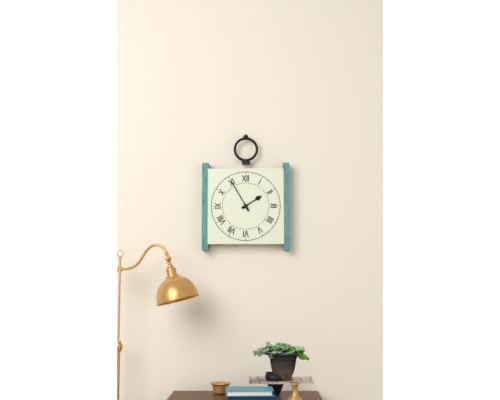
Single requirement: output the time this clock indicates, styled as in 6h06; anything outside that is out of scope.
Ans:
1h55
